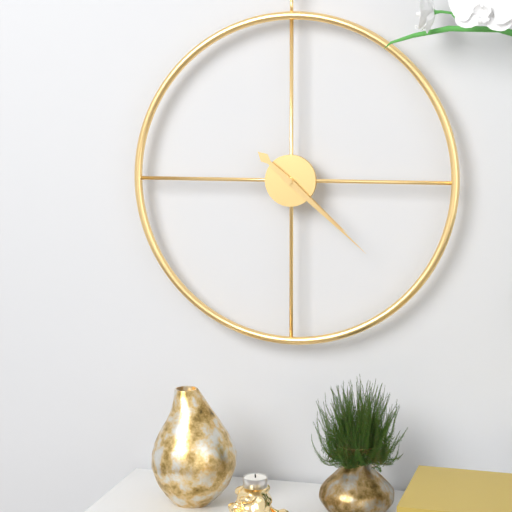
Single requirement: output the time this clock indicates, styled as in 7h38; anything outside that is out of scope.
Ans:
4h22
